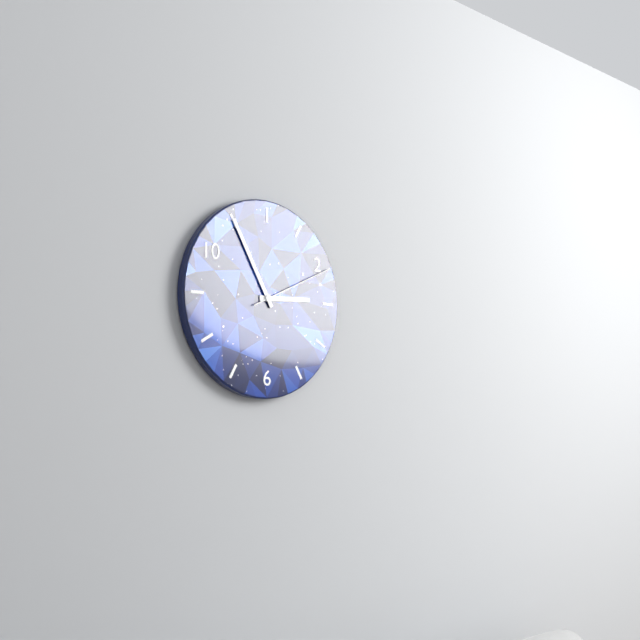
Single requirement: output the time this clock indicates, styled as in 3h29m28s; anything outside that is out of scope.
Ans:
2h55m11s
